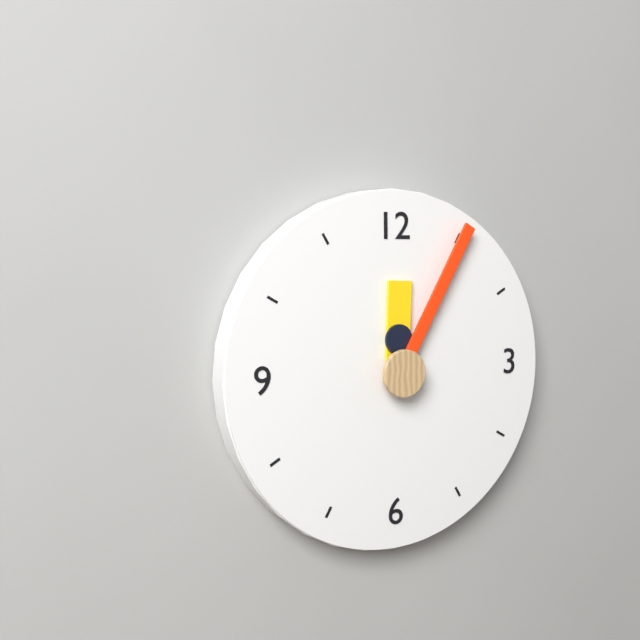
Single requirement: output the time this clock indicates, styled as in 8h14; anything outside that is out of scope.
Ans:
12h05
